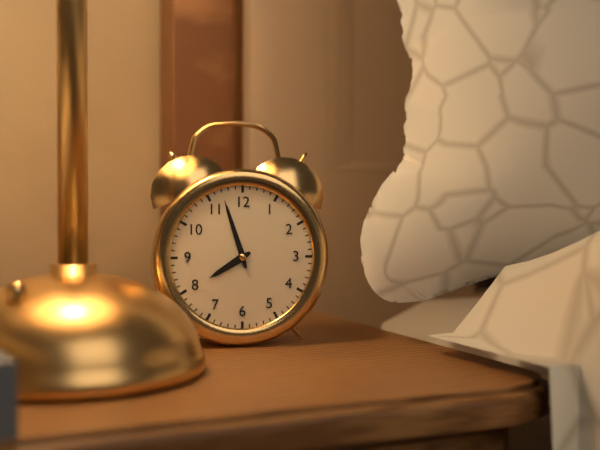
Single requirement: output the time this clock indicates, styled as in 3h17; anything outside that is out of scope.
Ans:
7h57
